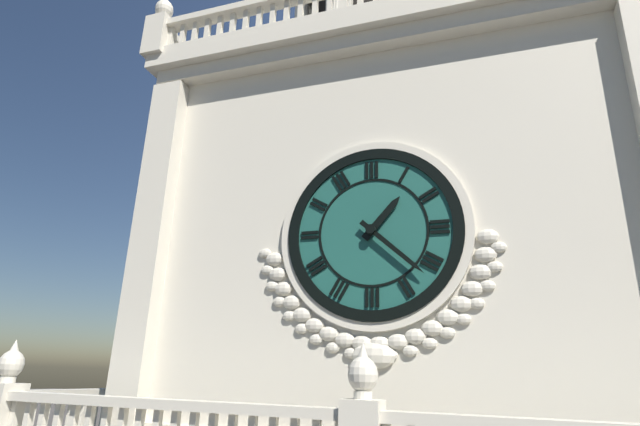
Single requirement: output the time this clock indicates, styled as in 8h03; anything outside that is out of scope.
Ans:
1h22
